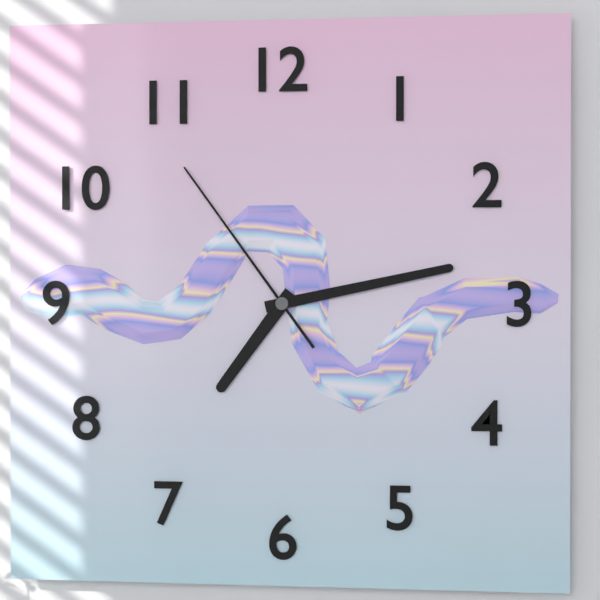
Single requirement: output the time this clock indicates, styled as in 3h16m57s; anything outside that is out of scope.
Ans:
7h13m54s
